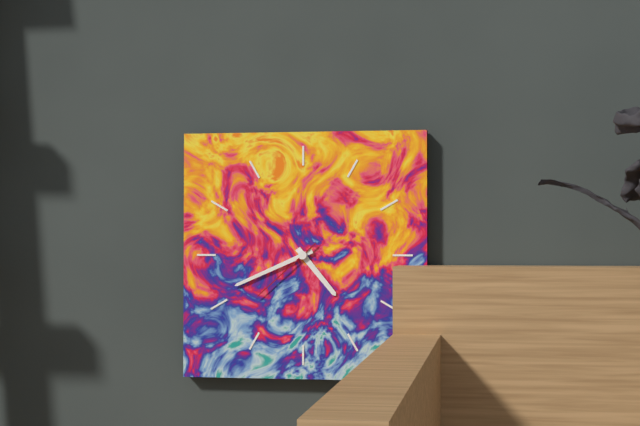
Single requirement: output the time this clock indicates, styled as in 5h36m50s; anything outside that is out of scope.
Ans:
4h41m38s
